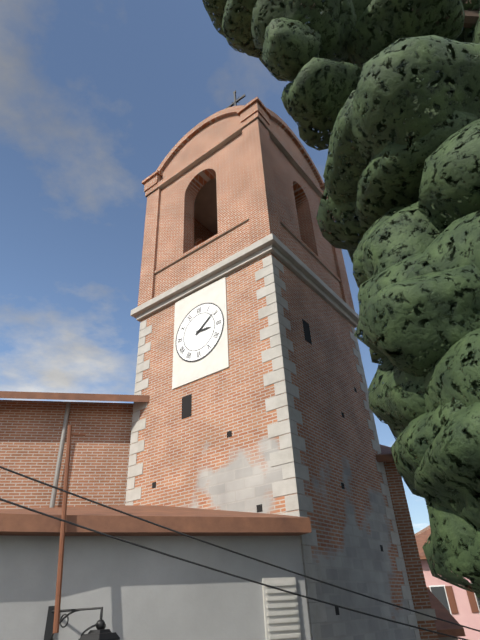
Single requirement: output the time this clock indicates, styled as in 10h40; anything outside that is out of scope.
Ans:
3h09
